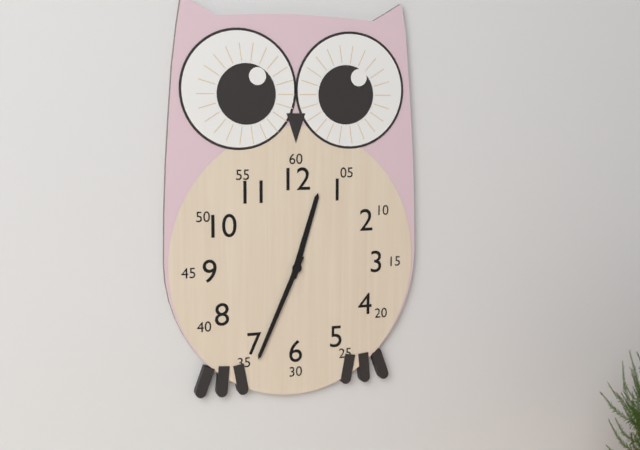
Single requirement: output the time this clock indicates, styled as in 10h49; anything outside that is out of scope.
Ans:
12h34
